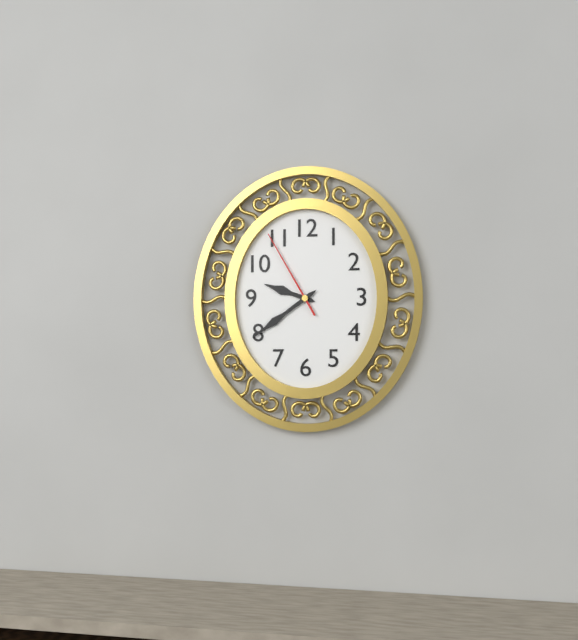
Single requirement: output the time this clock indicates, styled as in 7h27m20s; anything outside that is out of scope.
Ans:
9h39m55s
